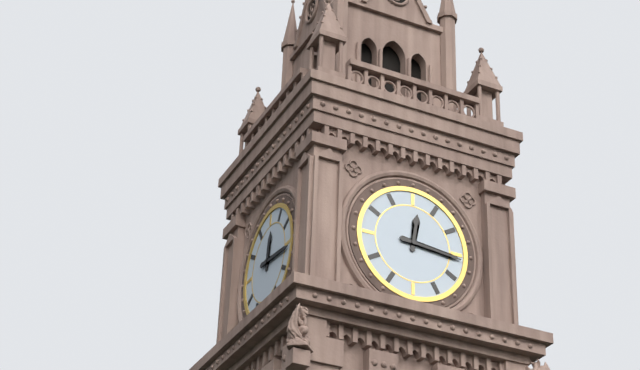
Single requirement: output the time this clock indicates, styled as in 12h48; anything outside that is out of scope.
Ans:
12h16
